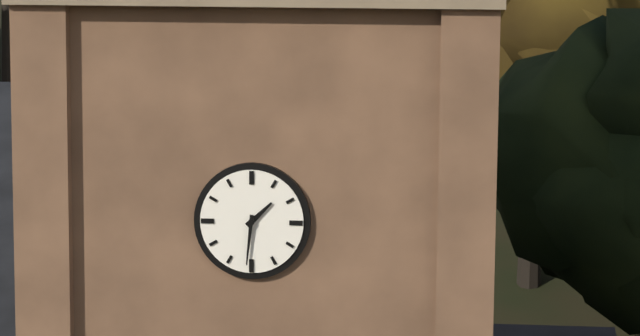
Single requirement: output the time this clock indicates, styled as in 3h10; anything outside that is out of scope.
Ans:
1h31
